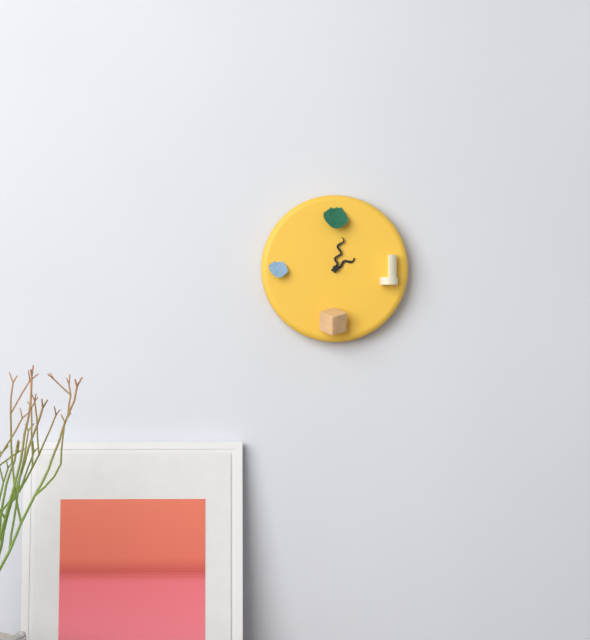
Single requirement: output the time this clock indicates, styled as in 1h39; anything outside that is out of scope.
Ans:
2h02
